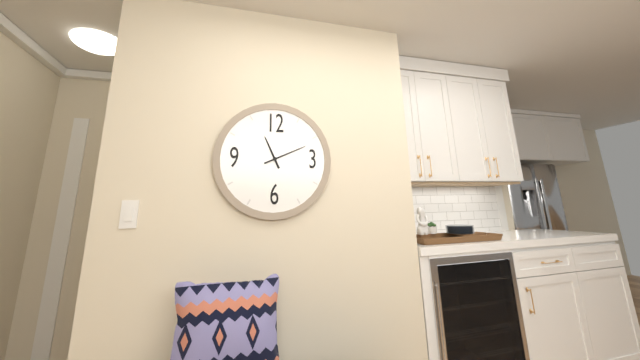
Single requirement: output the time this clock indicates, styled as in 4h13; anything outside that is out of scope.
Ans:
11h11
